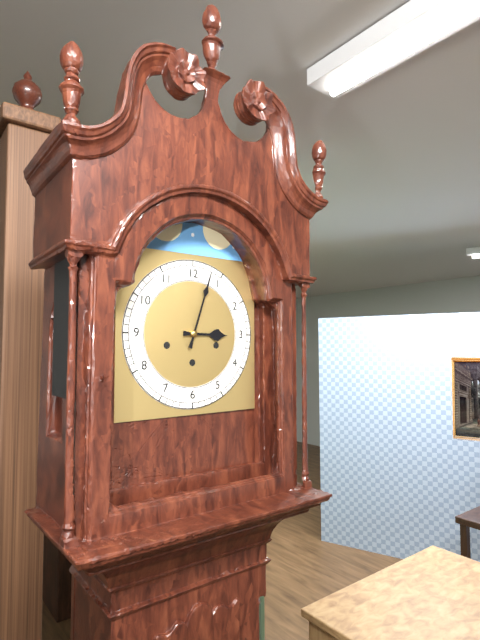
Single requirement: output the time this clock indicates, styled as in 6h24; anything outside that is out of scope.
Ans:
3h03
